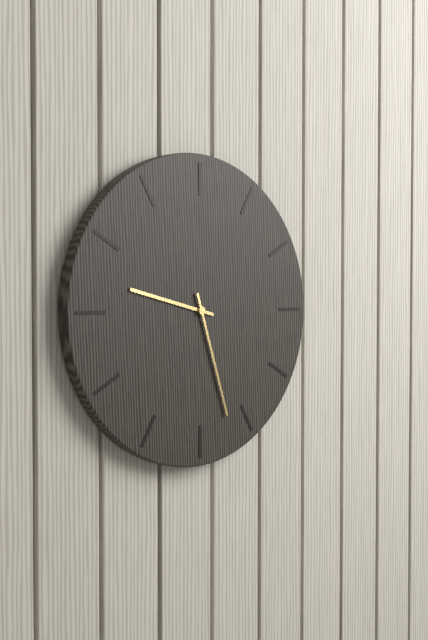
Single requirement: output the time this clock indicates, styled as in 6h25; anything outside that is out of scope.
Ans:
9h27
